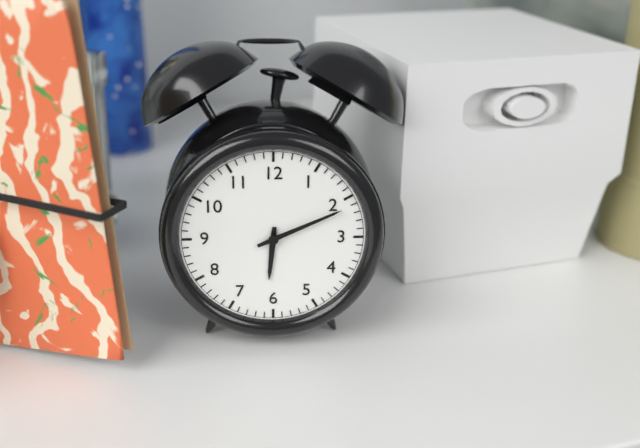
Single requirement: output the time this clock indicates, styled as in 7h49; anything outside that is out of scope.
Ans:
6h11
